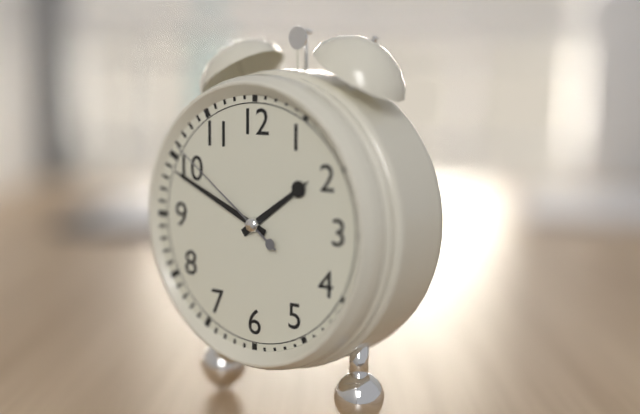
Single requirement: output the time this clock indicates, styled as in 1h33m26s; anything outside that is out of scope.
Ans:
1h49m51s
